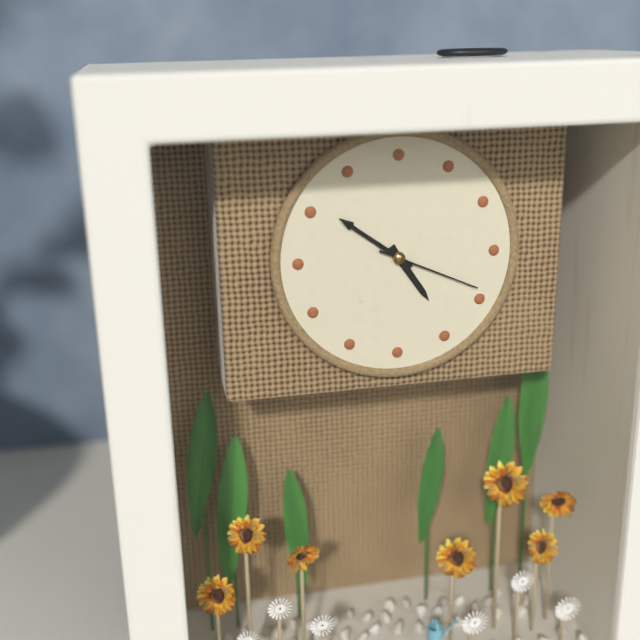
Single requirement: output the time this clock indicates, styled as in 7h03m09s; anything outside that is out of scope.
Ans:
4h51m19s
